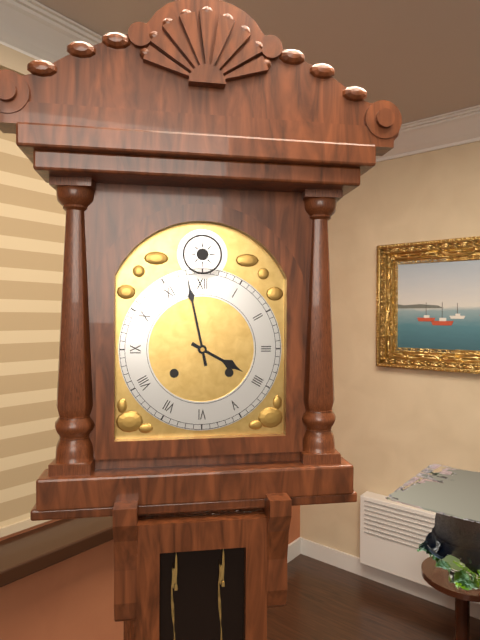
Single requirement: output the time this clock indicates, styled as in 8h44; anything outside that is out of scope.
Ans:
3h58
